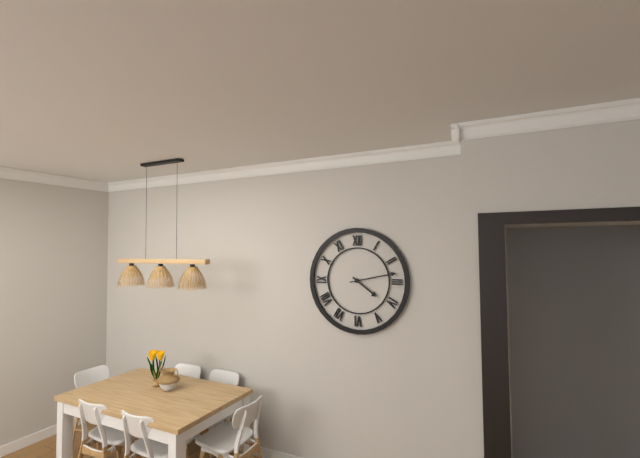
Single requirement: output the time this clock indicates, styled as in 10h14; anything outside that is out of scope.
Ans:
4h13
